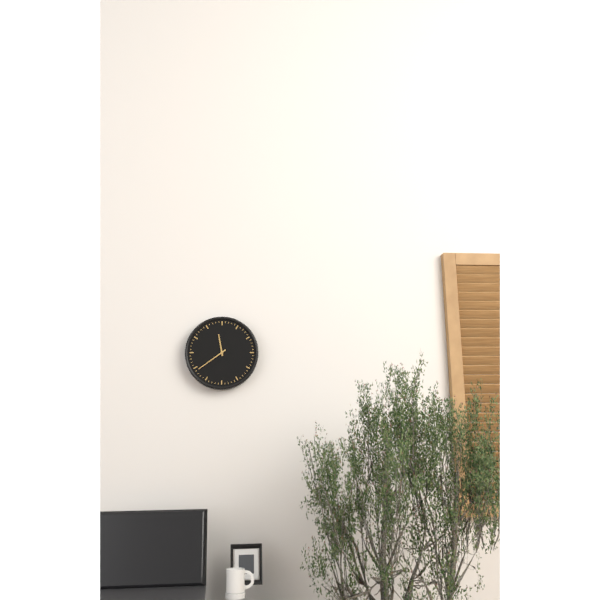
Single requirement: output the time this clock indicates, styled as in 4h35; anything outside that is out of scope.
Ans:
11h39
